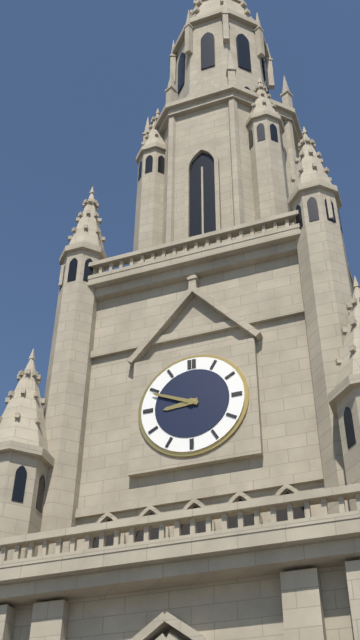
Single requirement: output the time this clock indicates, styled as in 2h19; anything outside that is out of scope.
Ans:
8h49
